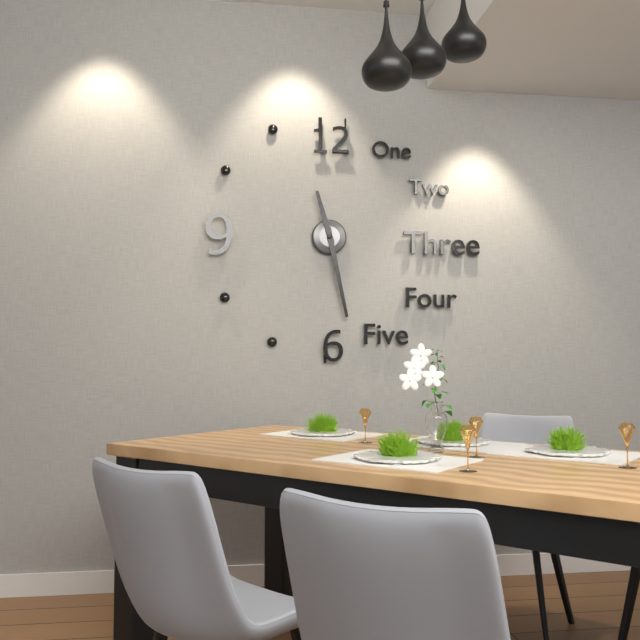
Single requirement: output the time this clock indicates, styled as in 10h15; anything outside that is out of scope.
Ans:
11h28
